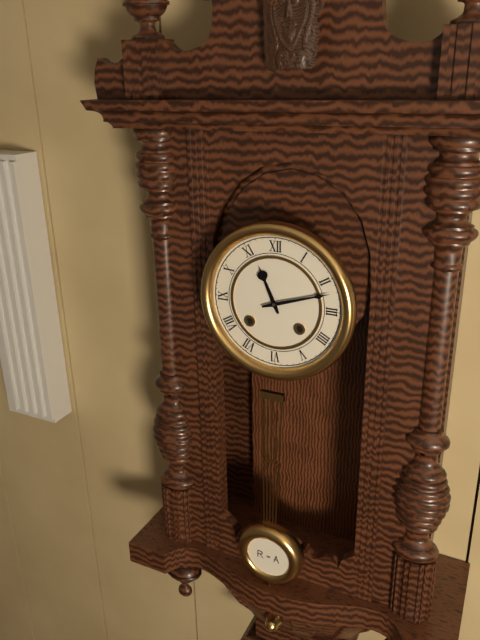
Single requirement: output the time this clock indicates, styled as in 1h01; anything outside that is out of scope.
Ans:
11h12
